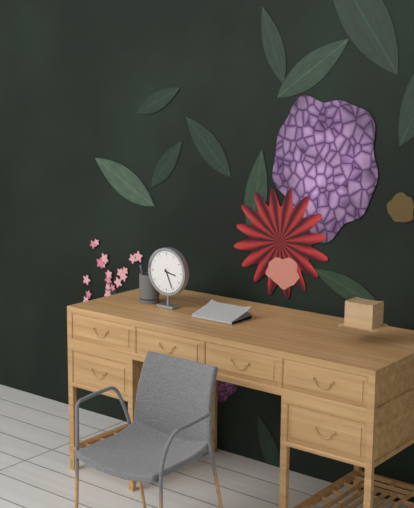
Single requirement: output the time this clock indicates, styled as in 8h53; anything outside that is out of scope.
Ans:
3h26
